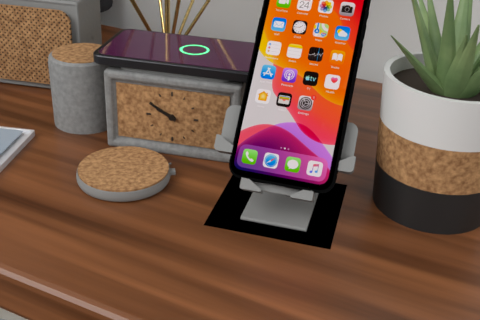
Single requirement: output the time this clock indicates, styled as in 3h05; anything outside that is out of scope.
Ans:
9h50
